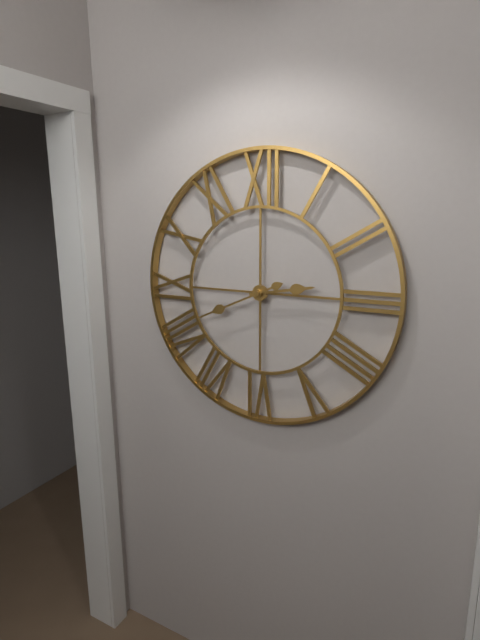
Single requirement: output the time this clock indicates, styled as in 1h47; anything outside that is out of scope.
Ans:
2h41
